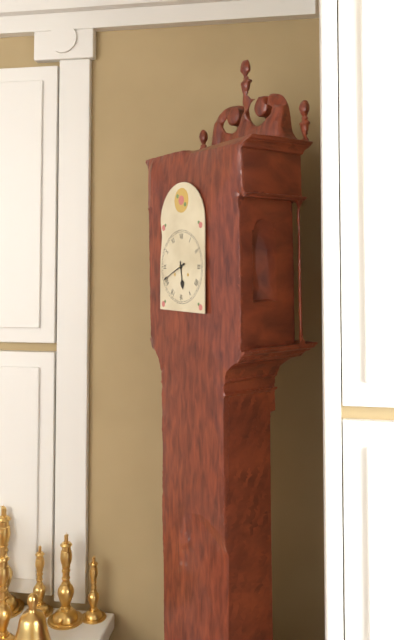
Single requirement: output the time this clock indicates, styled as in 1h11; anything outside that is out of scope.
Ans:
5h41
